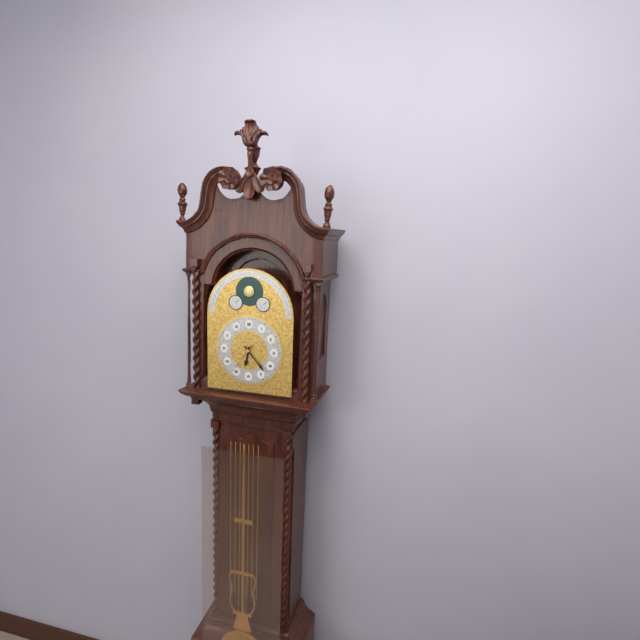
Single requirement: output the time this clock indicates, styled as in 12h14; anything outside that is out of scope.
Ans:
6h23
